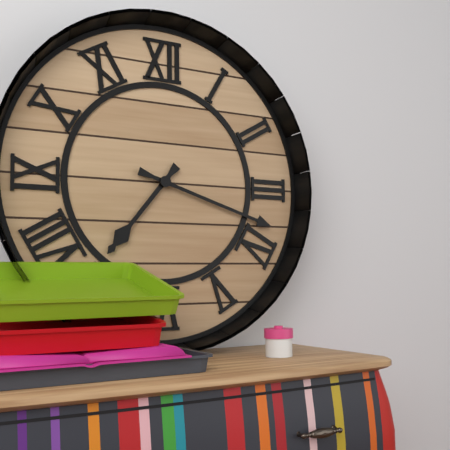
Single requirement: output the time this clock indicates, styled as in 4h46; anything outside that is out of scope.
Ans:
7h18
